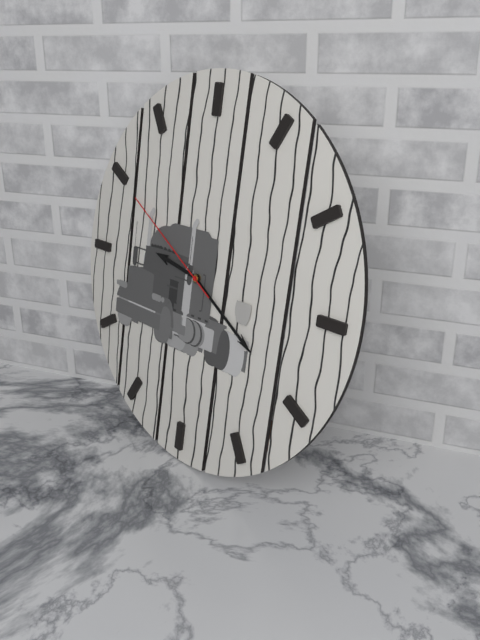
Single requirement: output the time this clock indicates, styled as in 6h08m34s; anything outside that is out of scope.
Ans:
9h20m50s
